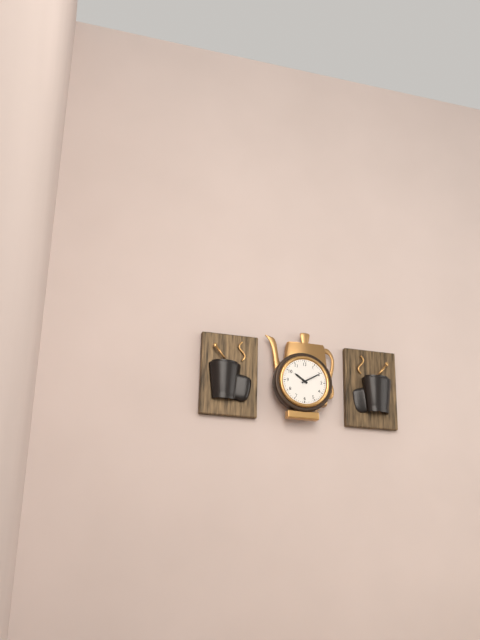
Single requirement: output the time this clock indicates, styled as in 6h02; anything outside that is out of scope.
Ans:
10h10
